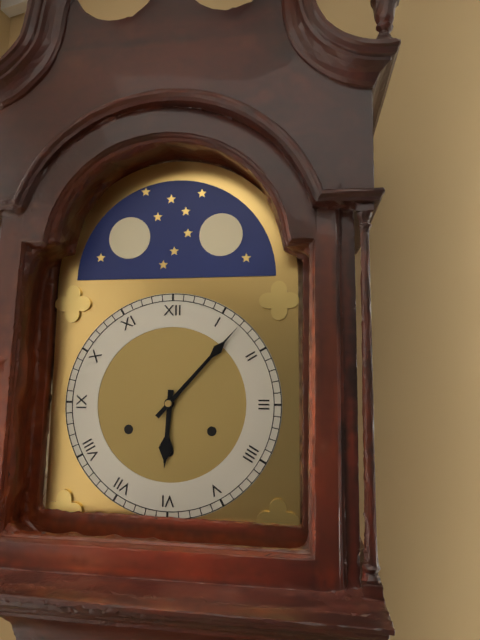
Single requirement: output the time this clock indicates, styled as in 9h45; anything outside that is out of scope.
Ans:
6h07
